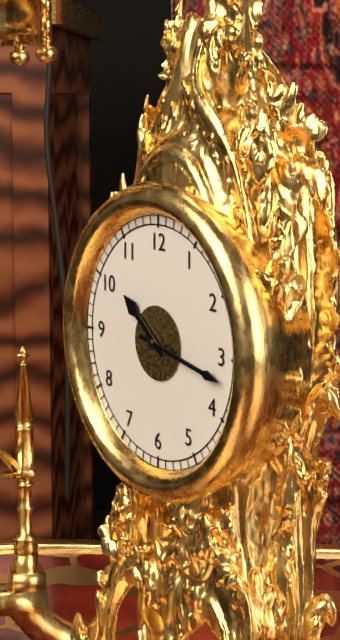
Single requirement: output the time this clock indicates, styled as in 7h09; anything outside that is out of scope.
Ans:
10h17
